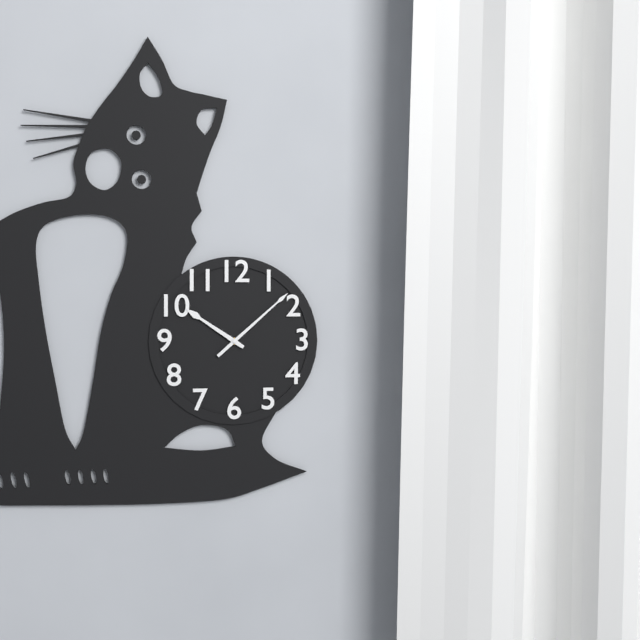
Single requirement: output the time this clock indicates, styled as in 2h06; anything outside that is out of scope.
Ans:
10h08
